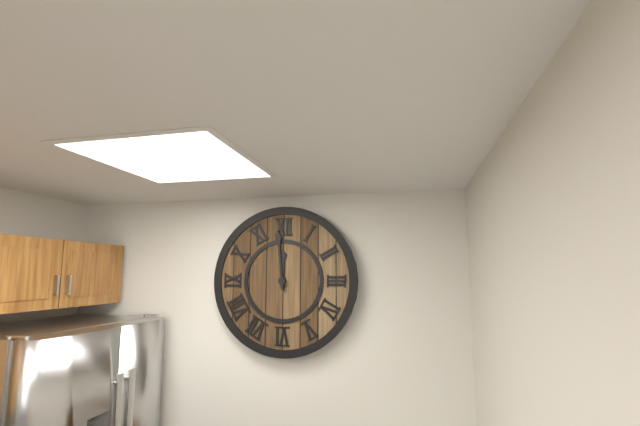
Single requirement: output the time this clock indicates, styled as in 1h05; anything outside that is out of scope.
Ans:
11h59
